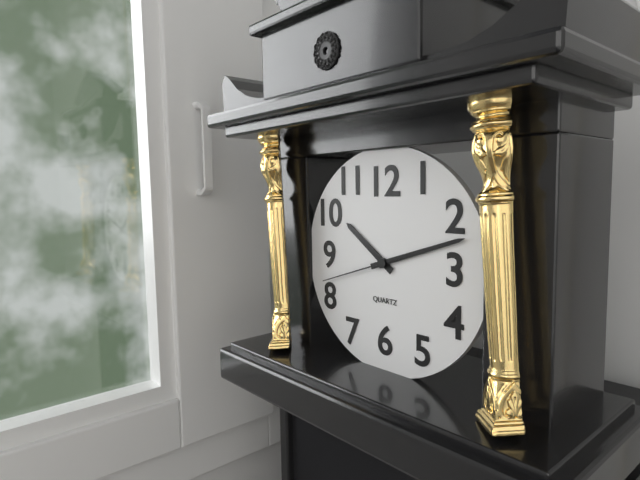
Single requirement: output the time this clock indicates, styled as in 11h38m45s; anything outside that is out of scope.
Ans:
10h12m42s
